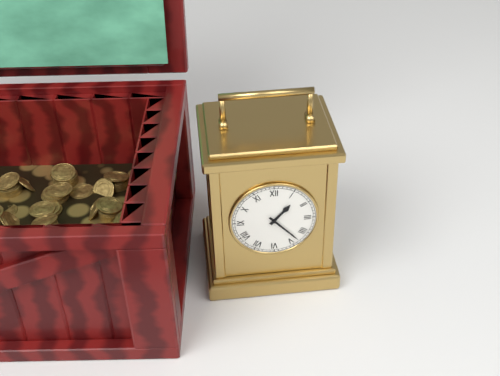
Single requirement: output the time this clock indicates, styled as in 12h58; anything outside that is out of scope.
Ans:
1h23
